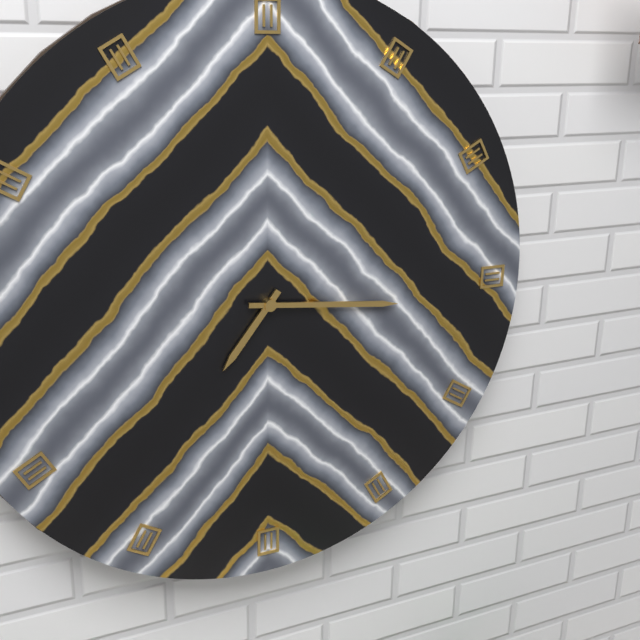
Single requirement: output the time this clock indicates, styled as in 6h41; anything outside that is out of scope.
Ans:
7h16
